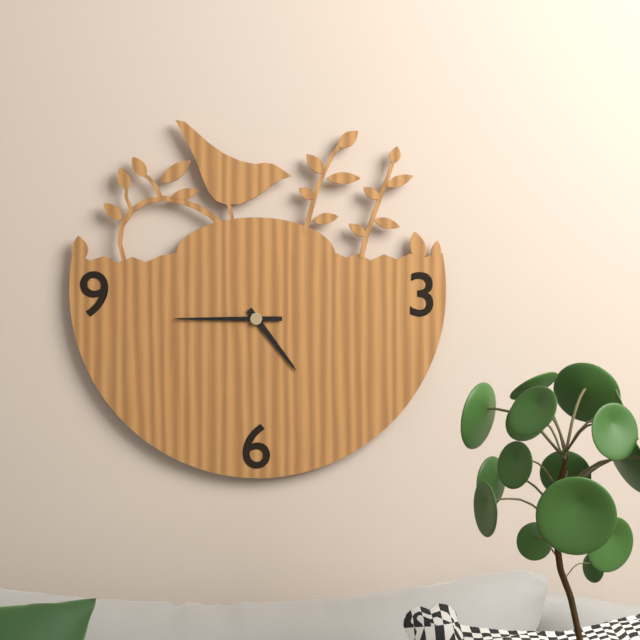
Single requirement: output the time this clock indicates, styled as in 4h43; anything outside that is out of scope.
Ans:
4h45
